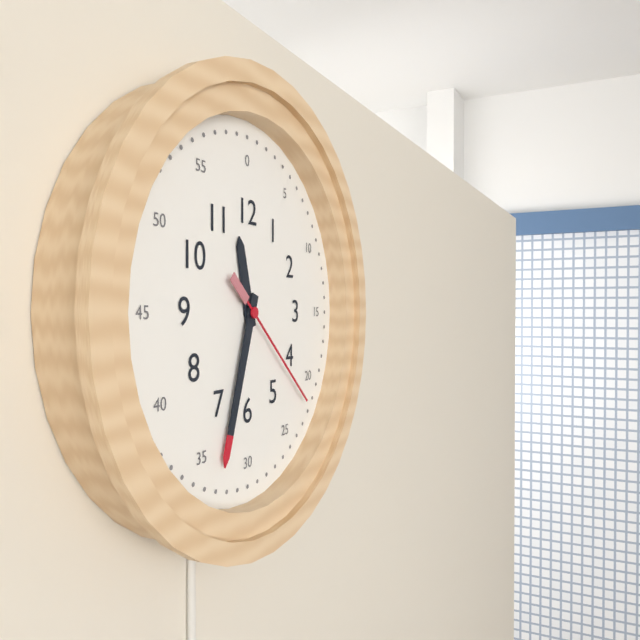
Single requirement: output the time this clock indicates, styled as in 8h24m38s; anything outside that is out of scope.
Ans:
11h33m22s
